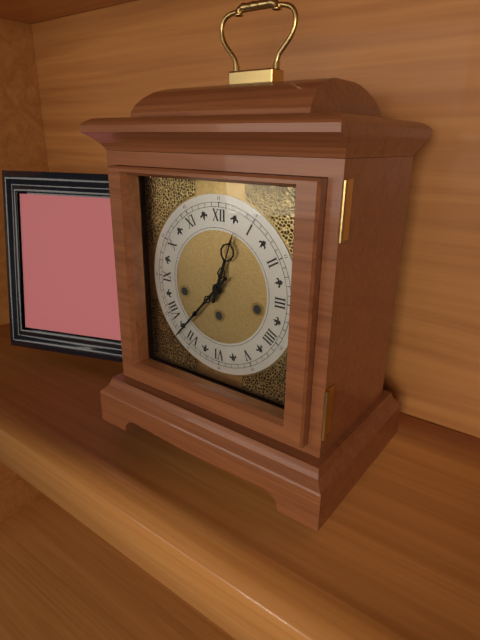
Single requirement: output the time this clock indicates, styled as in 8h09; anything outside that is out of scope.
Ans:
12h37
